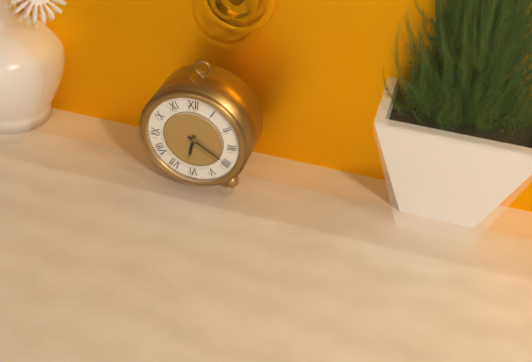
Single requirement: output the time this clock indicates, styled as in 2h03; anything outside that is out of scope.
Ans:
6h20
